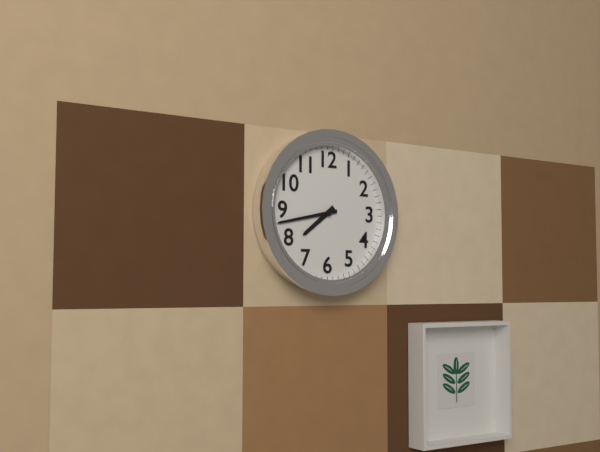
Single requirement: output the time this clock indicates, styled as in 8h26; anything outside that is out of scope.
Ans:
7h43
